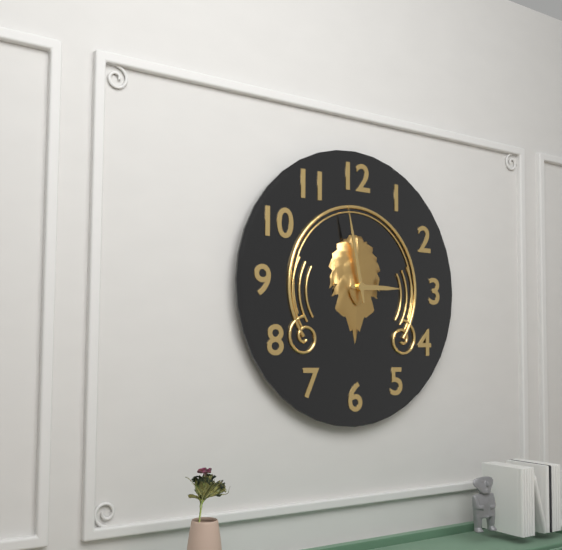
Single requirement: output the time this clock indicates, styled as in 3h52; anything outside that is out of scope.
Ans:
2h58
